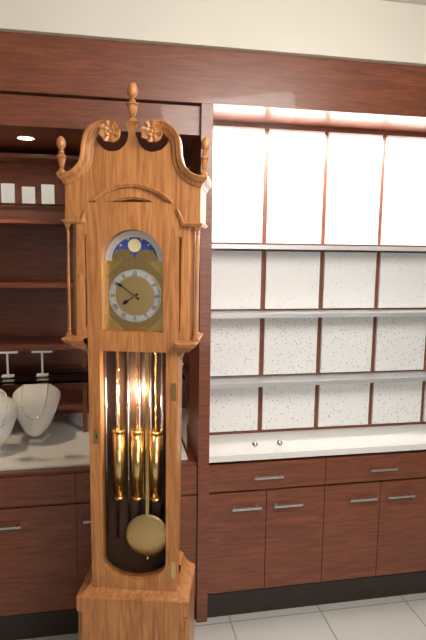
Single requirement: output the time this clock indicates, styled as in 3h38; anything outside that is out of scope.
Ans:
7h51
